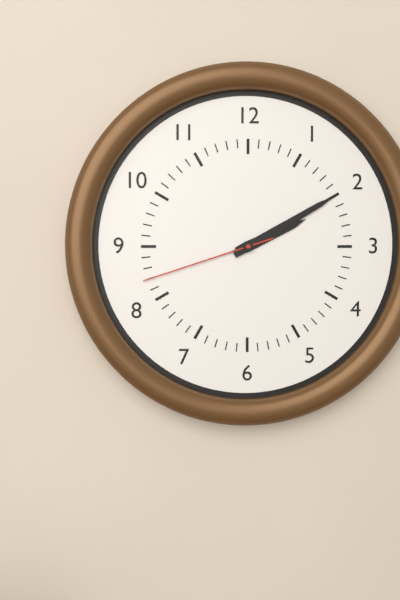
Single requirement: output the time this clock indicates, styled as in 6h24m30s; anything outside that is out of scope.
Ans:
2h10m42s
